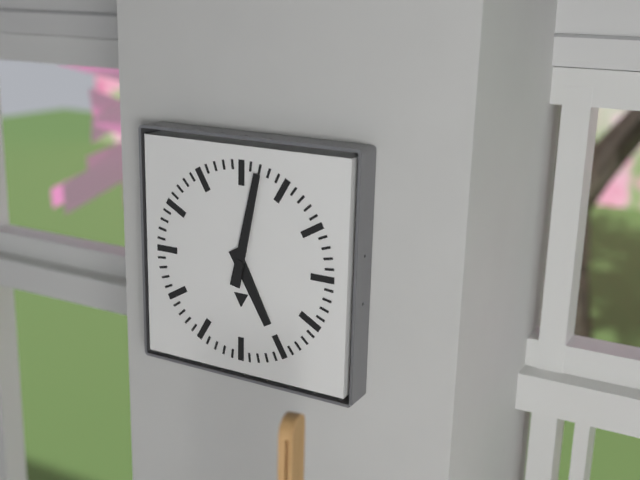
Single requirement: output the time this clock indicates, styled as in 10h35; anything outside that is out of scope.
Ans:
5h02
